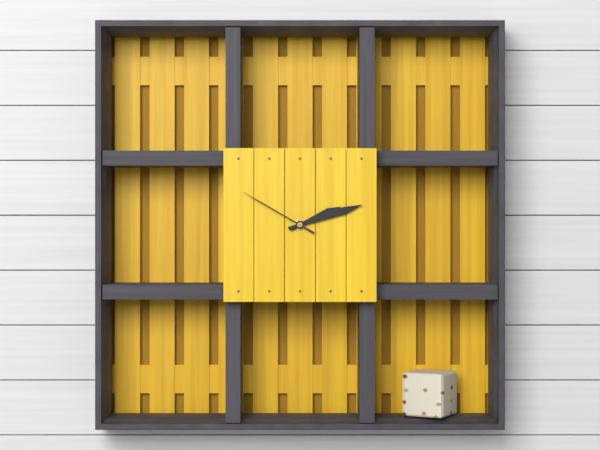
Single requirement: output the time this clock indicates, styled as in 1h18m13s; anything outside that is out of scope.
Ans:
2h12m50s
